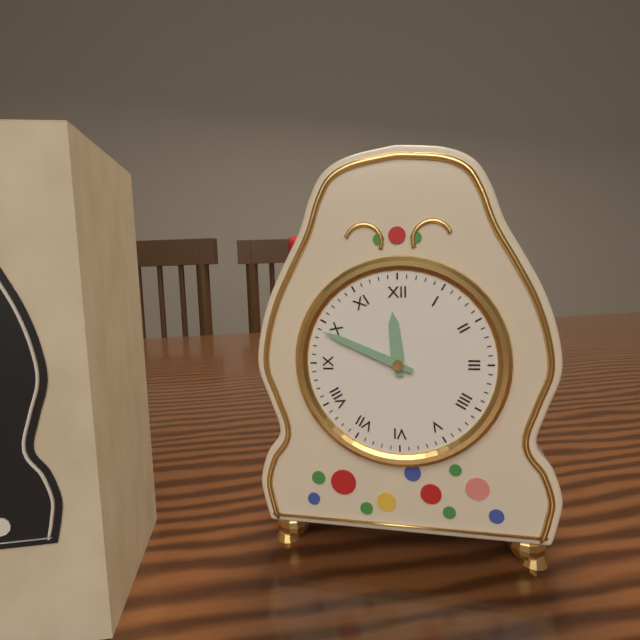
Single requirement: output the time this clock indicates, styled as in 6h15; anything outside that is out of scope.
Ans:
11h49
